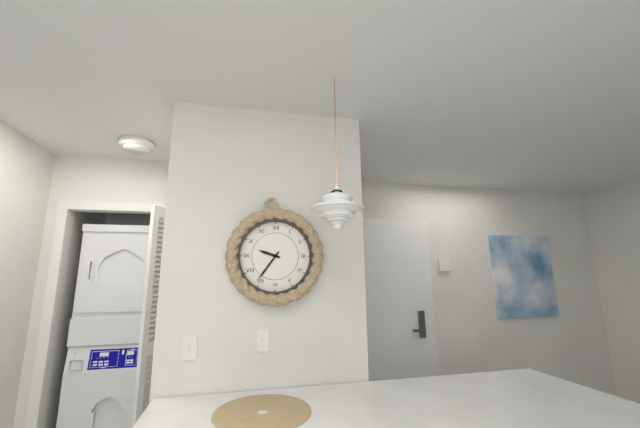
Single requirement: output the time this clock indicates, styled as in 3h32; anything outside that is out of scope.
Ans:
9h36
